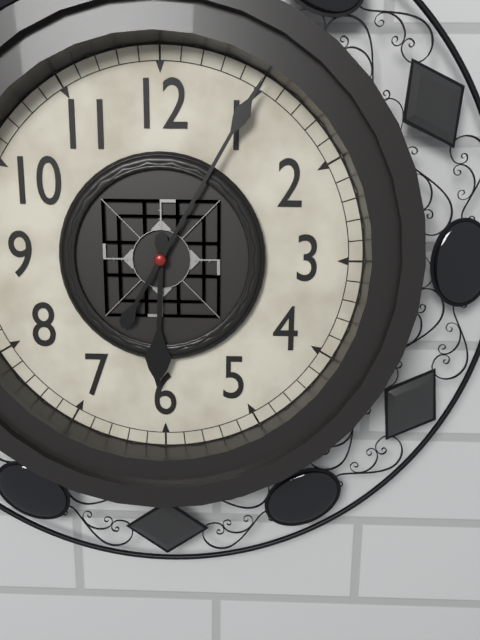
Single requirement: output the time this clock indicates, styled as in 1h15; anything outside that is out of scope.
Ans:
6h05
